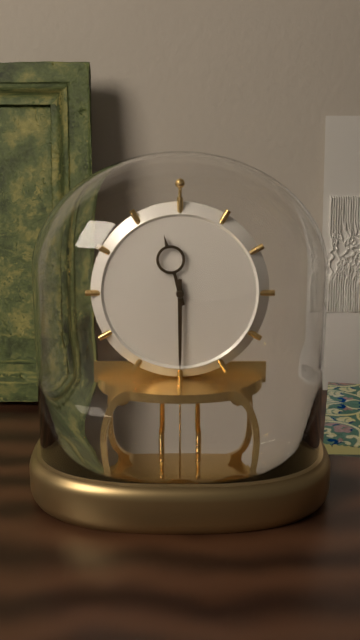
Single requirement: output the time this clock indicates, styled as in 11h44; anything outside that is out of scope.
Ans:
11h30
